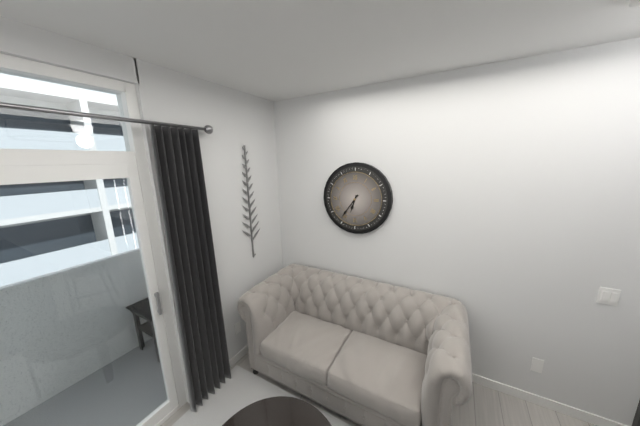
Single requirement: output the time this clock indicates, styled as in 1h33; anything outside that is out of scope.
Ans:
6h36
